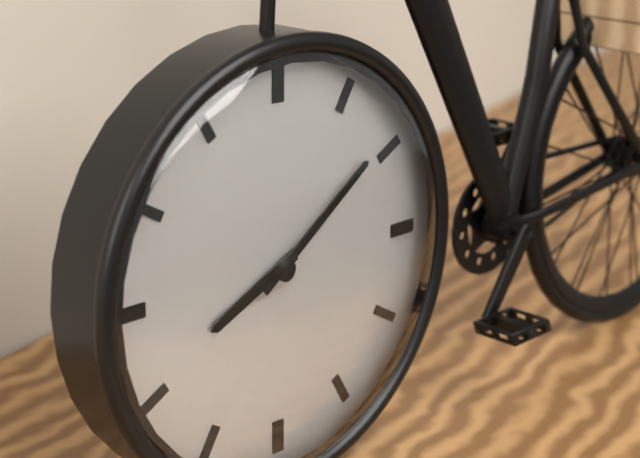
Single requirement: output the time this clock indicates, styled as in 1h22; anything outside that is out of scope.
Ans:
8h09
